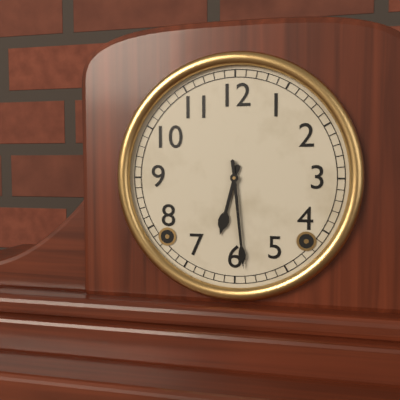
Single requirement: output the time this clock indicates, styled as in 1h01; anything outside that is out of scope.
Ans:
6h29
